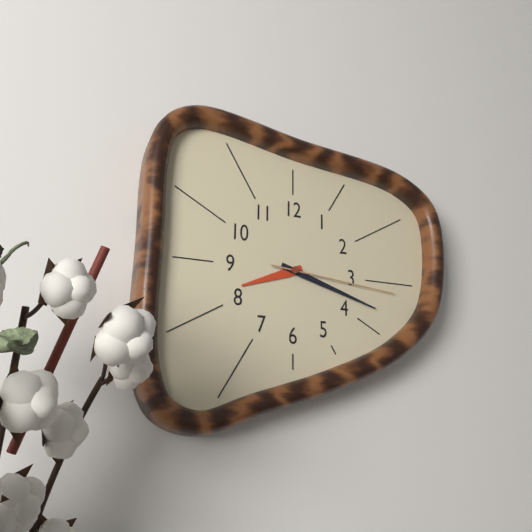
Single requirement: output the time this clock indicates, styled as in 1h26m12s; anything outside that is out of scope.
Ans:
8h18m16s
